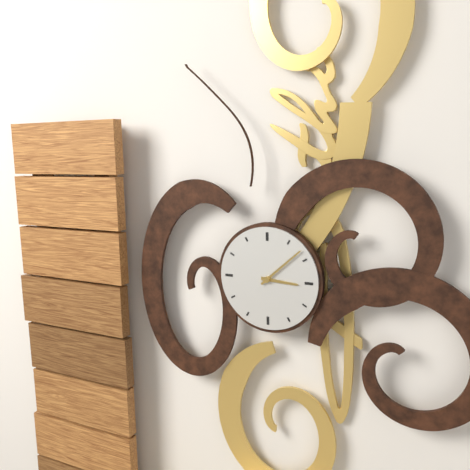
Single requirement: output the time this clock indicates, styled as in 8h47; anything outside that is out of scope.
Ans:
3h08
